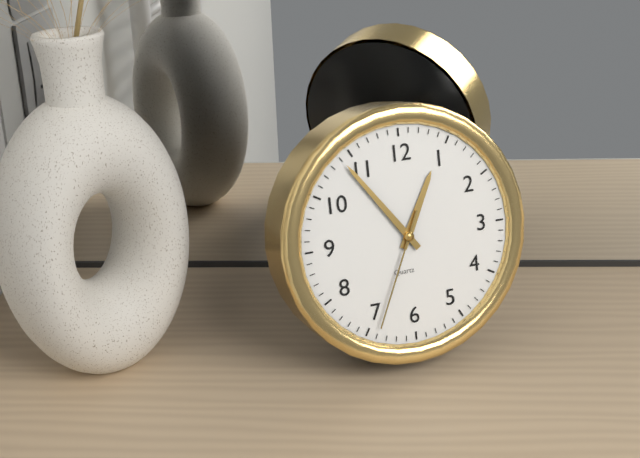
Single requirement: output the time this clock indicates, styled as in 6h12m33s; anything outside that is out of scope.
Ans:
12h54m34s
